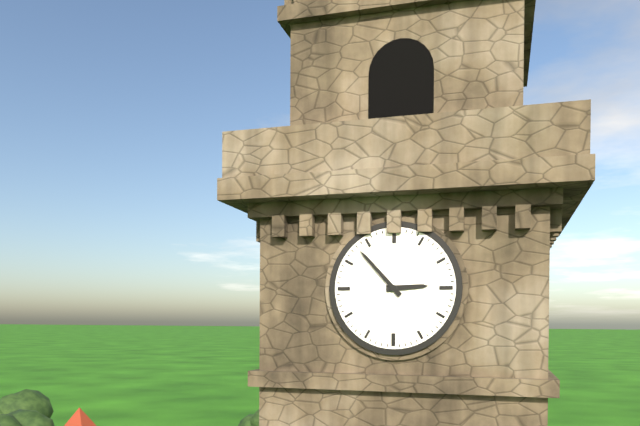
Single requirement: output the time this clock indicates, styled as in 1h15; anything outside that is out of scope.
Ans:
2h53
